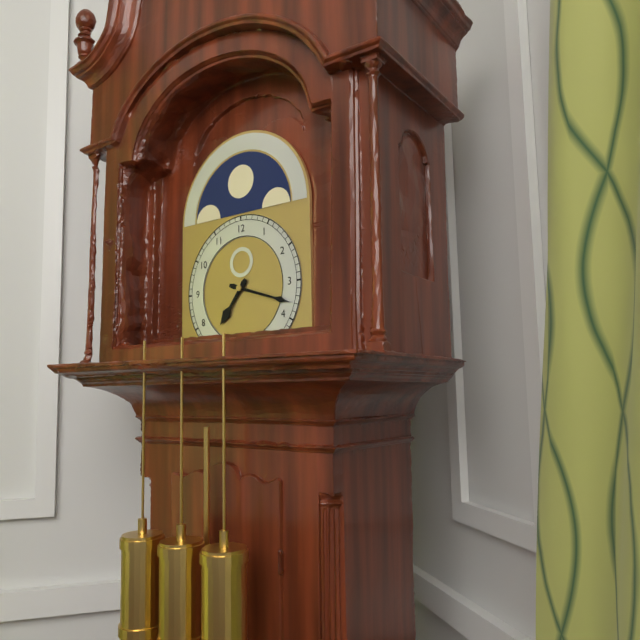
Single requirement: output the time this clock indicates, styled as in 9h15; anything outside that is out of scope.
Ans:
7h18
